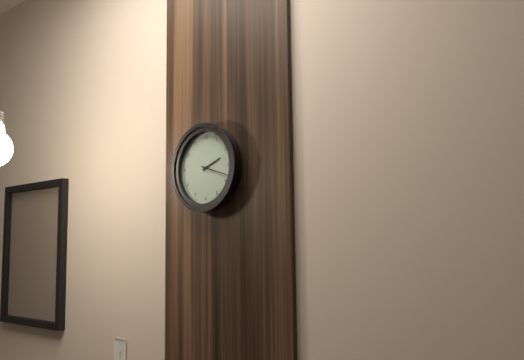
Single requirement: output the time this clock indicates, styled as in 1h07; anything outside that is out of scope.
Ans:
2h18
